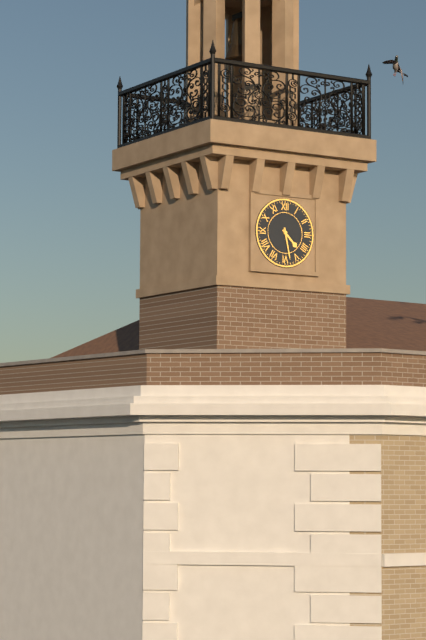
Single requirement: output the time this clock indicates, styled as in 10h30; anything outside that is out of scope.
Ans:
4h28
